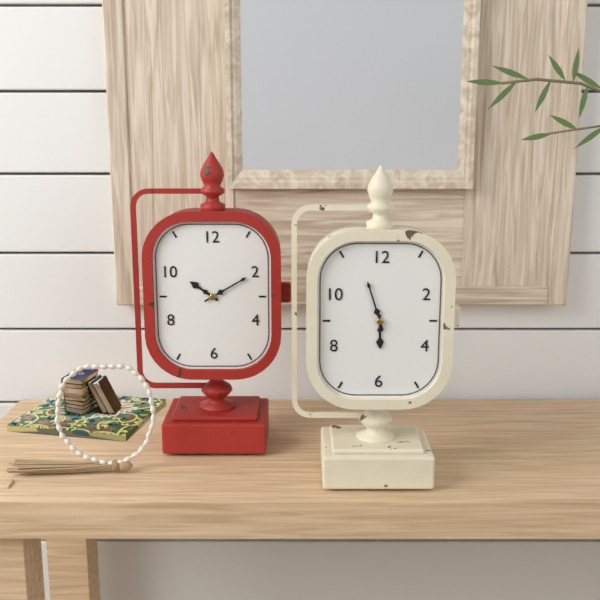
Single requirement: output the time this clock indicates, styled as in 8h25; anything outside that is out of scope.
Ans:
5h57
